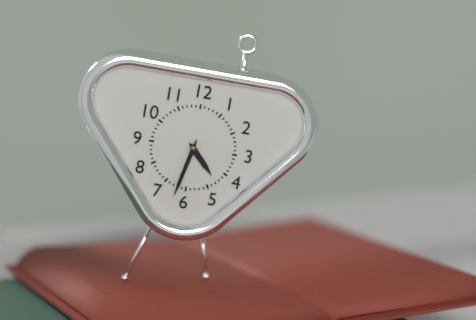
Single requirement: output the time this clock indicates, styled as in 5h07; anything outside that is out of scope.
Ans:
4h32
